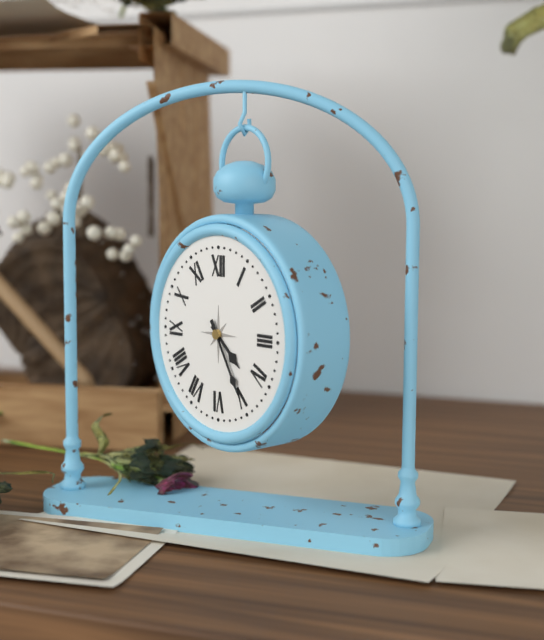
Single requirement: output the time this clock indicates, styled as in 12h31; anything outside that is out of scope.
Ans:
4h25
